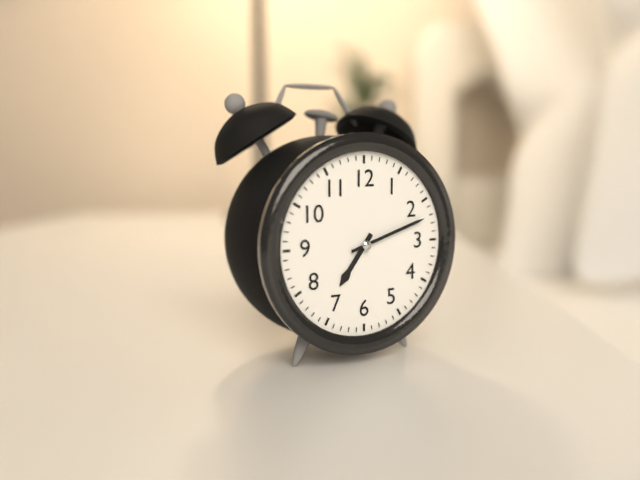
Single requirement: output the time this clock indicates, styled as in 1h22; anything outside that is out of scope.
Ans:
7h12
